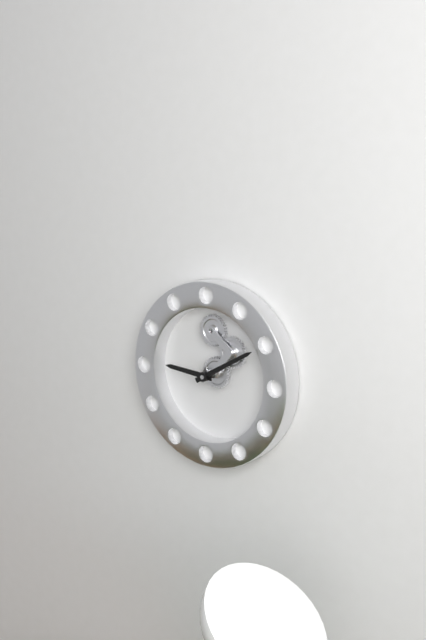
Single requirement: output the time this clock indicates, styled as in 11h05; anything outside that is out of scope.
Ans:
9h10
